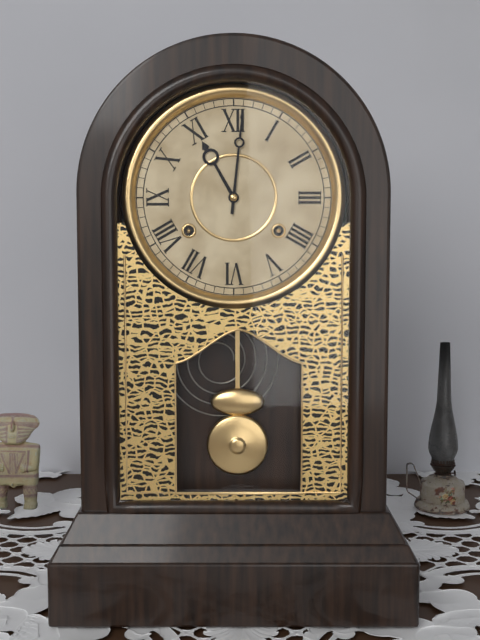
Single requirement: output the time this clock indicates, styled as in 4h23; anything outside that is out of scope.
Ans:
11h01
